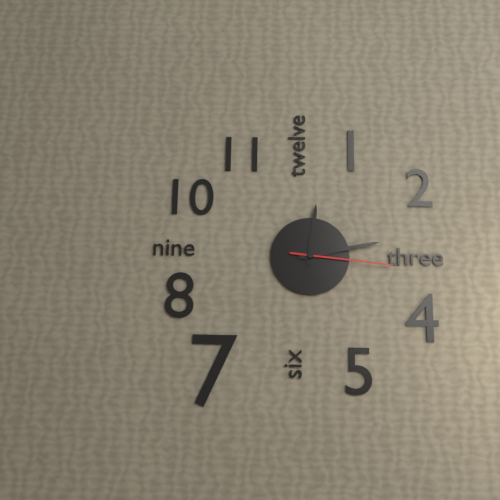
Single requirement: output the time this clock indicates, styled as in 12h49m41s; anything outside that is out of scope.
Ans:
12h13m16s
